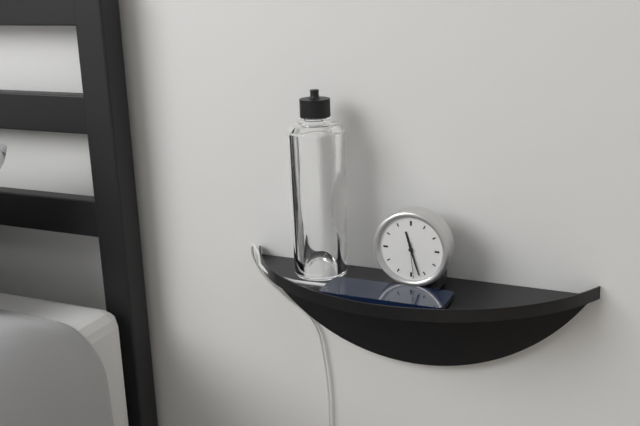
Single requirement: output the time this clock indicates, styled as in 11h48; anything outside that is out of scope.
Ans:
11h27
